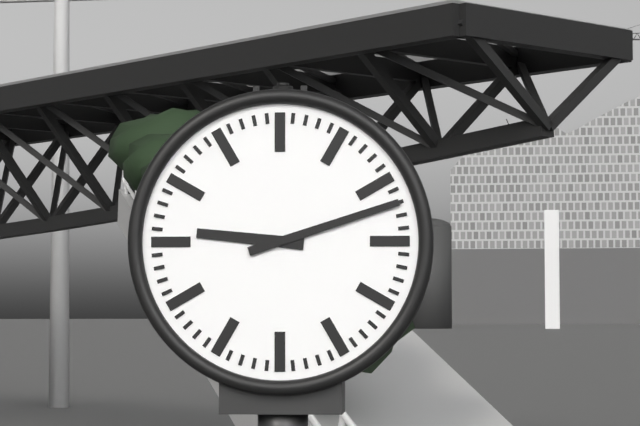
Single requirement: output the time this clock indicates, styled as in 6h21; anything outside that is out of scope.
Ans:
9h12
